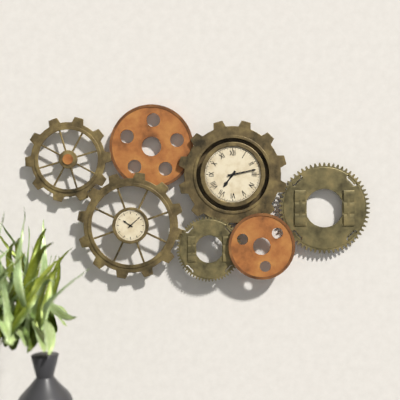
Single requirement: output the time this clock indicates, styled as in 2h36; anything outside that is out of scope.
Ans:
7h13
